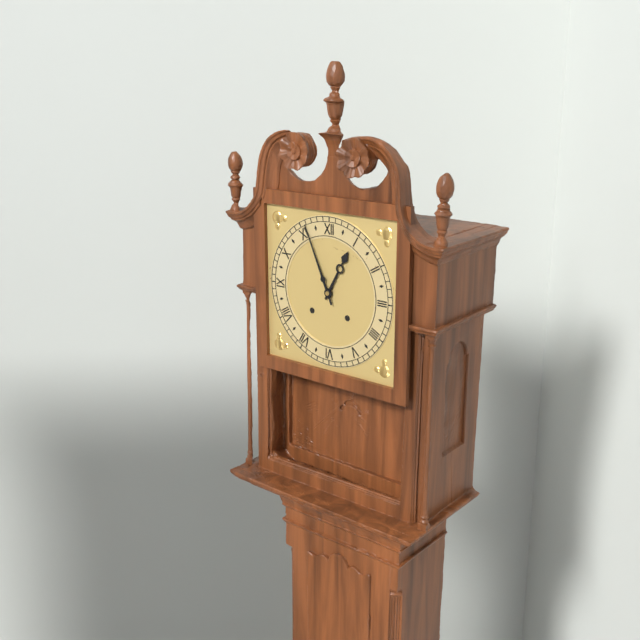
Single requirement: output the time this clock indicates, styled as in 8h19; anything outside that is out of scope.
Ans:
12h56
